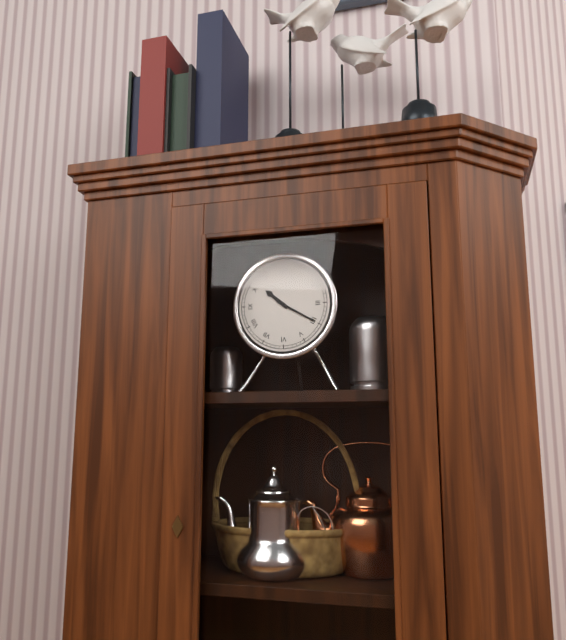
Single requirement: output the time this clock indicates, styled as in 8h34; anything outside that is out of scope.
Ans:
10h20
